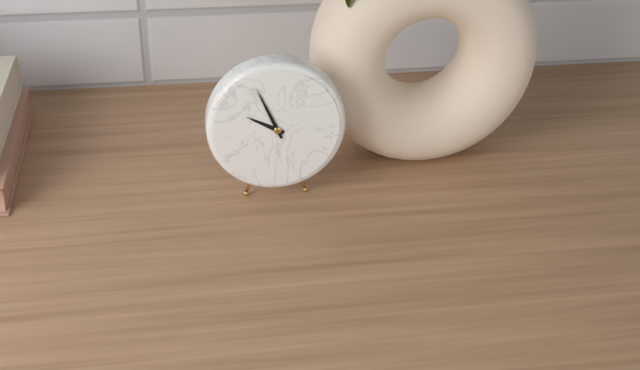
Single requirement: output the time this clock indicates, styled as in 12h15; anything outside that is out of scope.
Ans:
9h56
